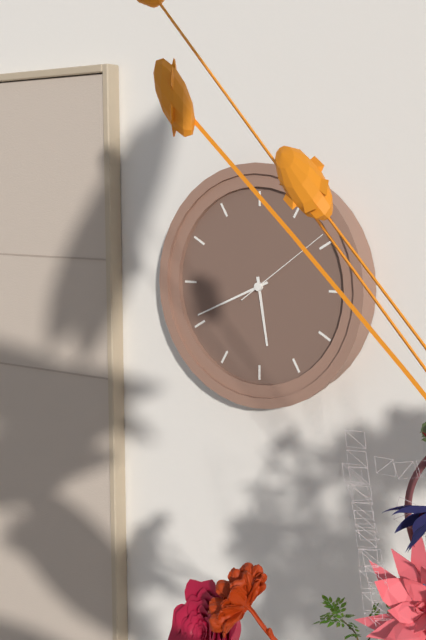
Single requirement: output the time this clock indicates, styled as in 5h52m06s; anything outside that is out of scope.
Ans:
5h41m09s
